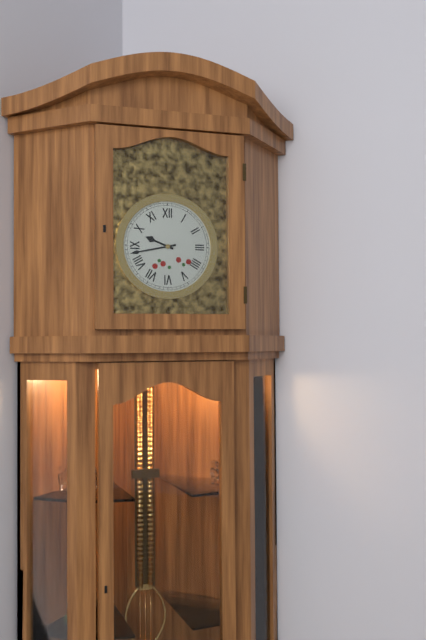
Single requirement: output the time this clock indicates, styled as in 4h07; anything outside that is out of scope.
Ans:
9h43
